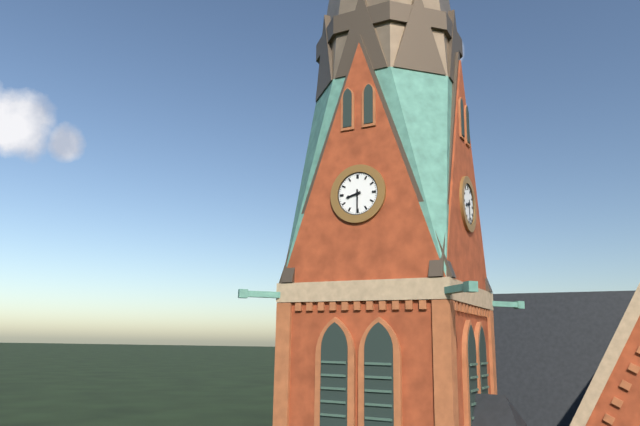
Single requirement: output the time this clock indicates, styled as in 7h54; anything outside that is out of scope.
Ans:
8h30
